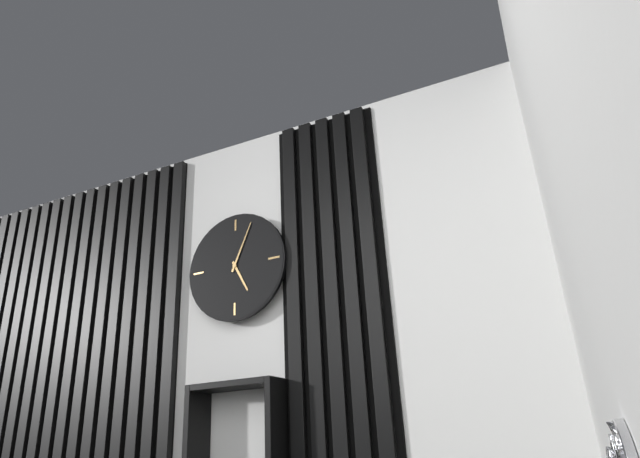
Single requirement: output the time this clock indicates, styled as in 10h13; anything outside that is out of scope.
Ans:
5h04
